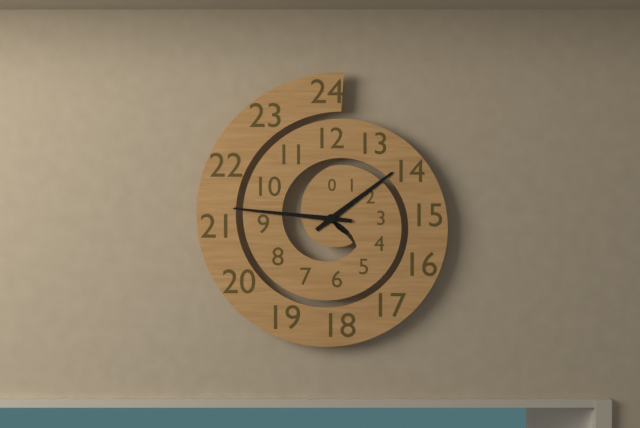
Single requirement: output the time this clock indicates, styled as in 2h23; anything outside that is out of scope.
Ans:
1h46
